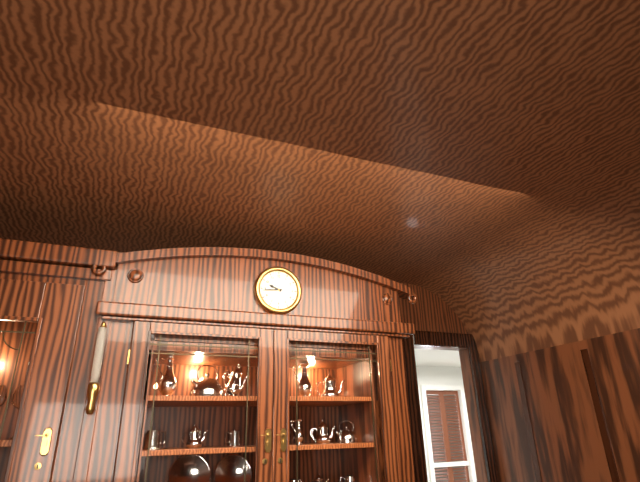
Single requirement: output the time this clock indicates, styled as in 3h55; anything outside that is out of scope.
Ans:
9h44
